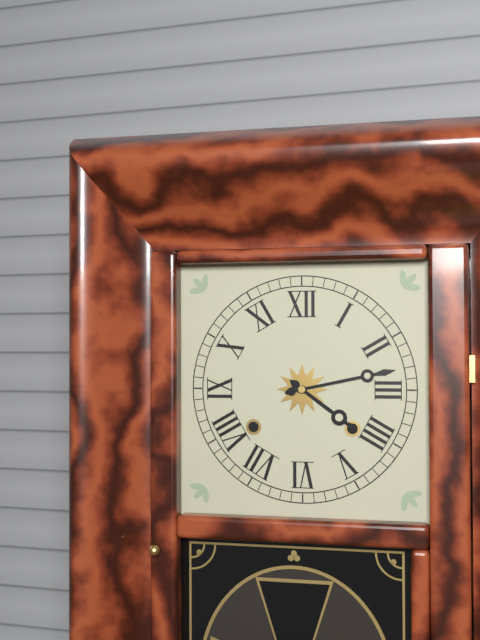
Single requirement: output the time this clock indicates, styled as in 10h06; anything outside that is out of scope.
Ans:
4h13
